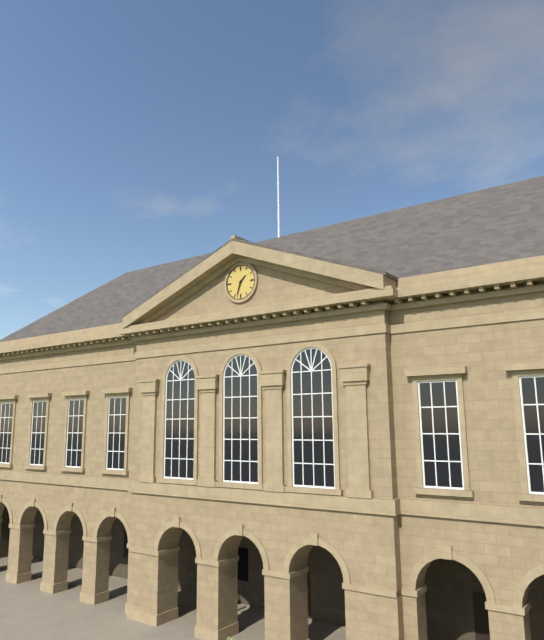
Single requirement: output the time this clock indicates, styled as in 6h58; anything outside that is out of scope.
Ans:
1h33
